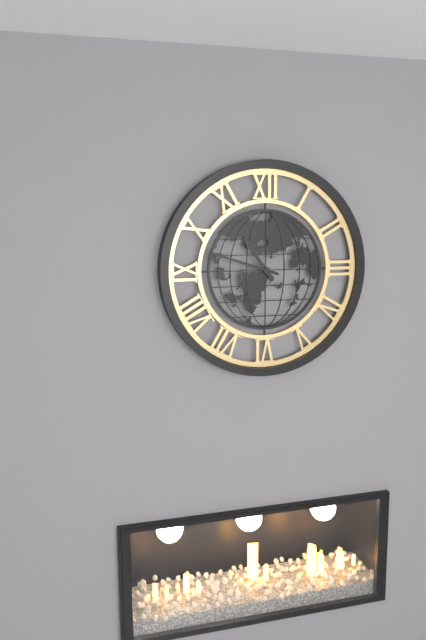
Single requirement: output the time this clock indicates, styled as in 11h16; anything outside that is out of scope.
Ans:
10h48
